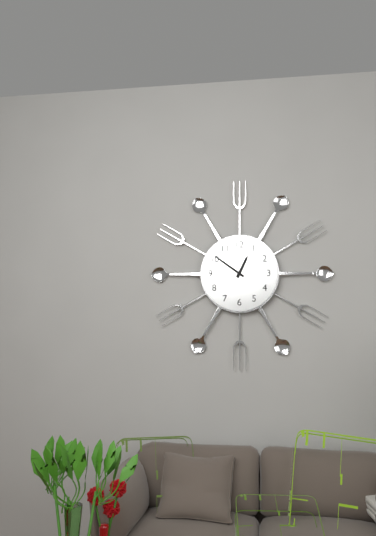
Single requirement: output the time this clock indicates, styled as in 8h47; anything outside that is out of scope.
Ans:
12h51
